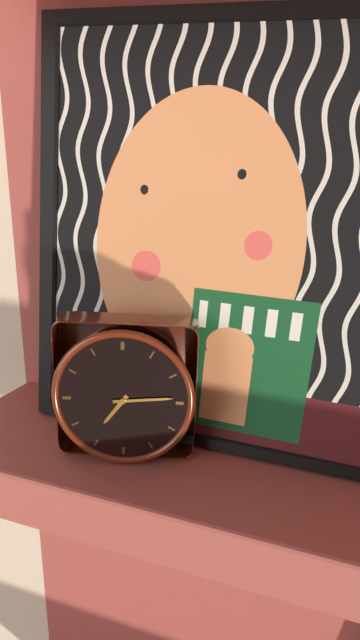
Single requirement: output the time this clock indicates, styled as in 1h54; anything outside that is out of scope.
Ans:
7h14
